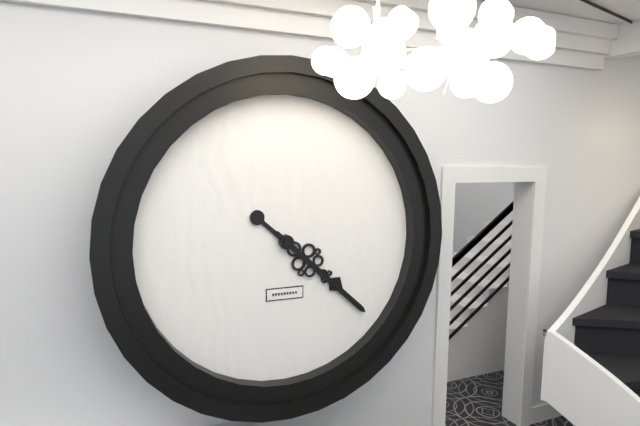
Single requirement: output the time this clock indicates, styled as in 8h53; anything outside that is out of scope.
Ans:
4h22
